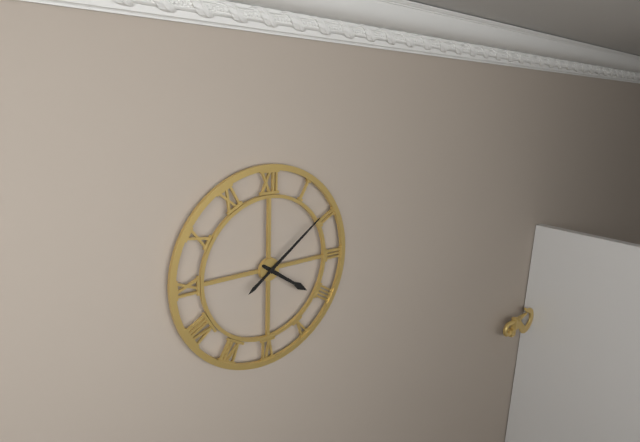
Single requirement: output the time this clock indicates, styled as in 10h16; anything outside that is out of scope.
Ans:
4h09
